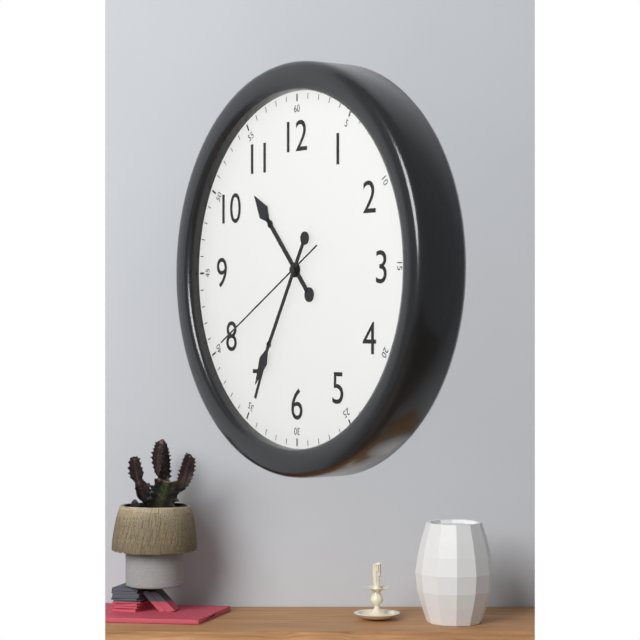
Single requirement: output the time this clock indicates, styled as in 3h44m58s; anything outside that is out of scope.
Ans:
10h35m40s
